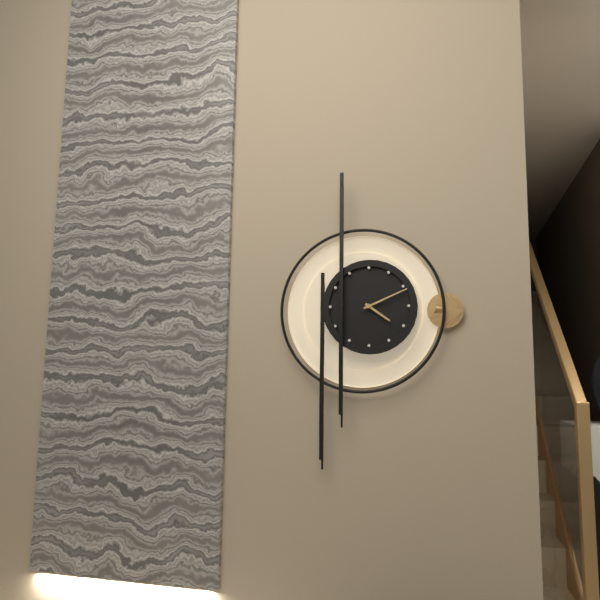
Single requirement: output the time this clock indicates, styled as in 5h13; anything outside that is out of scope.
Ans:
4h11
